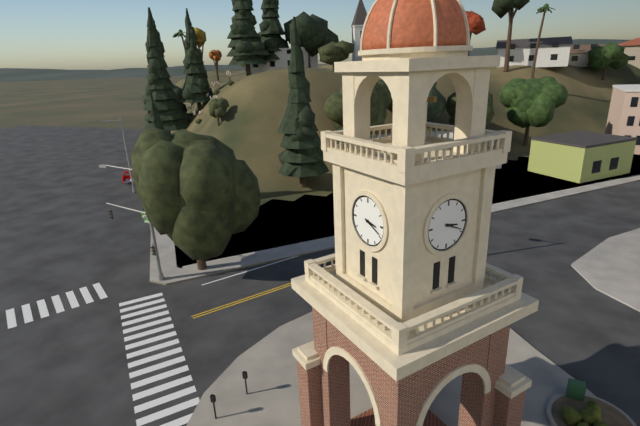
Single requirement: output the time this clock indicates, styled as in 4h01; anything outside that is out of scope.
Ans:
3h19
